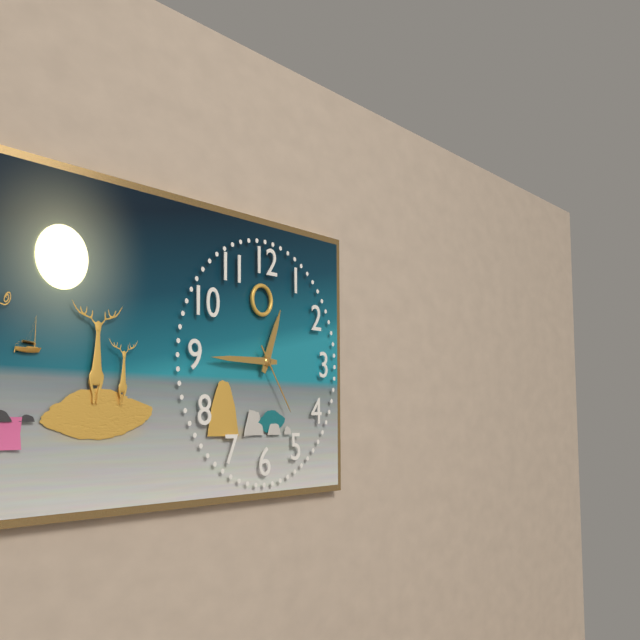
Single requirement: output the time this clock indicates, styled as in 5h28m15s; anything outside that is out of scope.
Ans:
12h45m24s
